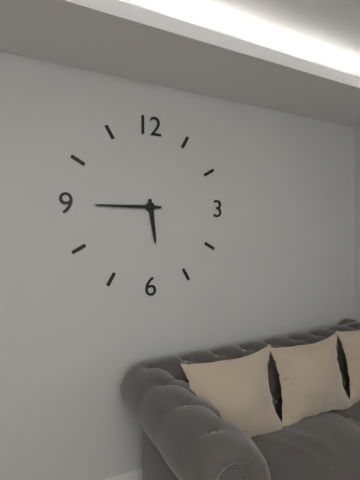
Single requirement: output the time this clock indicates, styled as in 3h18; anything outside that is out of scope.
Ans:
5h45
